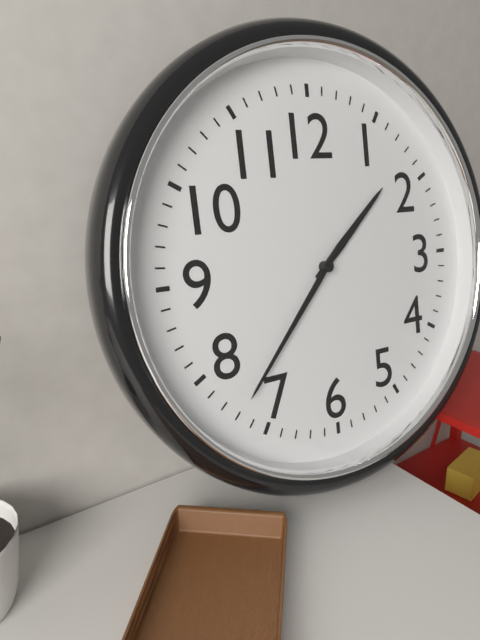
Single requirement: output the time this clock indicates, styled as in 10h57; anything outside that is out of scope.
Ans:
1h37
